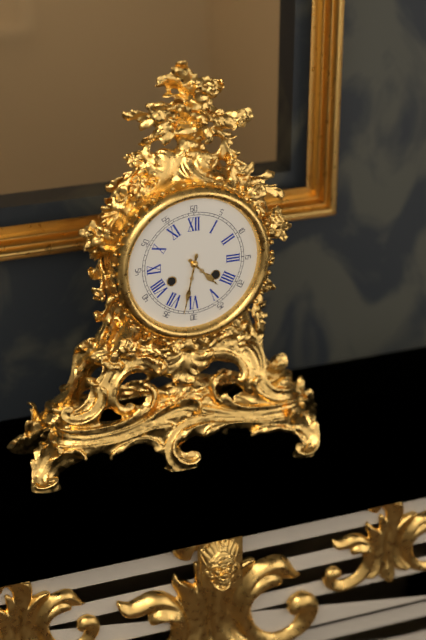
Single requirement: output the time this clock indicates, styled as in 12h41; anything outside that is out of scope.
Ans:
4h32
